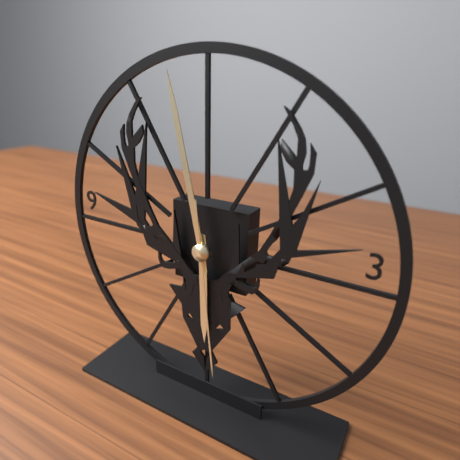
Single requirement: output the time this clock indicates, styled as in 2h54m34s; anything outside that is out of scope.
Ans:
5h58m29s
